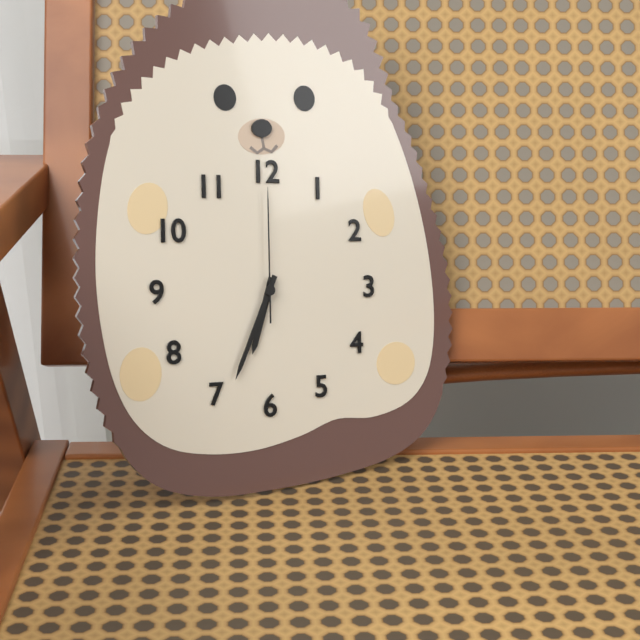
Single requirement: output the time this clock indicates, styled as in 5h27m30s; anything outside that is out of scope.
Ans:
6h34m00s
